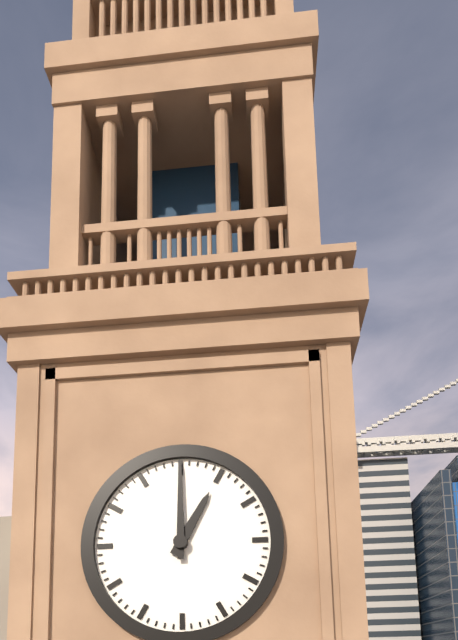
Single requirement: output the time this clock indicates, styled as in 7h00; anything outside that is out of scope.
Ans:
1h00
